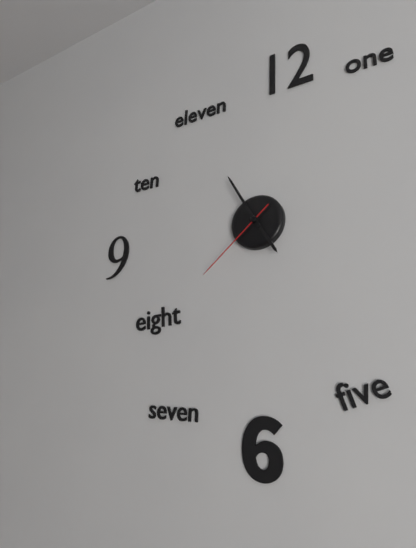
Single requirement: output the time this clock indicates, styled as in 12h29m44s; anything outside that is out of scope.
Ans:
4h55m38s
